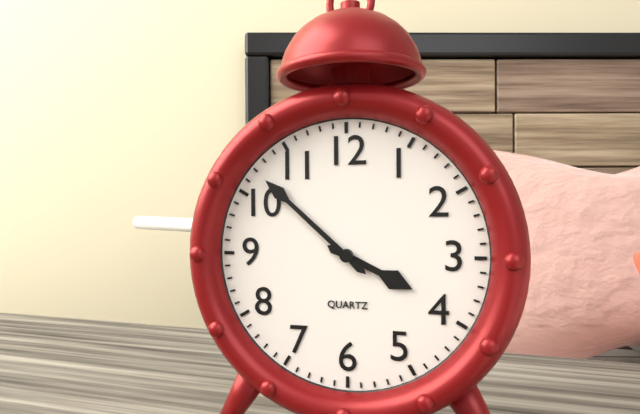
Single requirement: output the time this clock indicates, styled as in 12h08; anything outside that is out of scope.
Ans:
3h52
